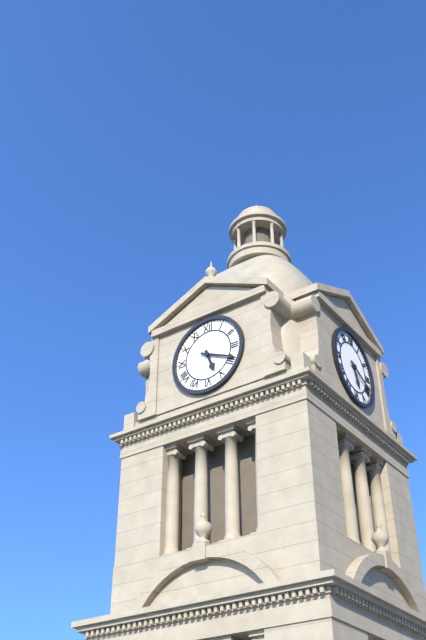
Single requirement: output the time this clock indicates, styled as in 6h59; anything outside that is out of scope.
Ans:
5h19
